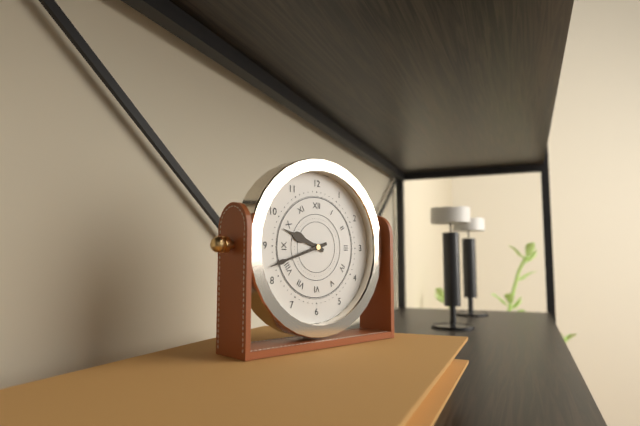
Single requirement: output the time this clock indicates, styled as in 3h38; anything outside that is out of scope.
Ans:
9h42
